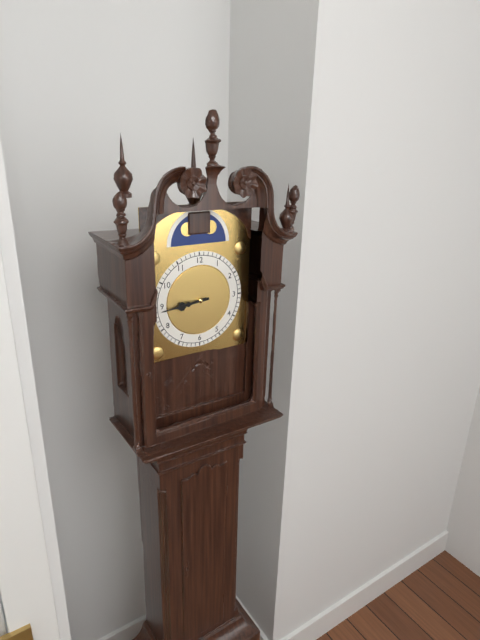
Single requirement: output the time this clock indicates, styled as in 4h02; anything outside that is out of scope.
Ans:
8h44
